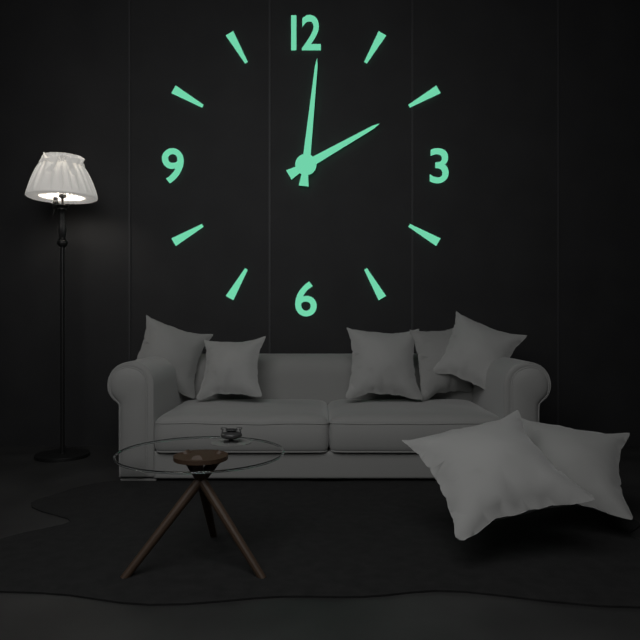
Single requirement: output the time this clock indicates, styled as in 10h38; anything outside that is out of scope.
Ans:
2h01
